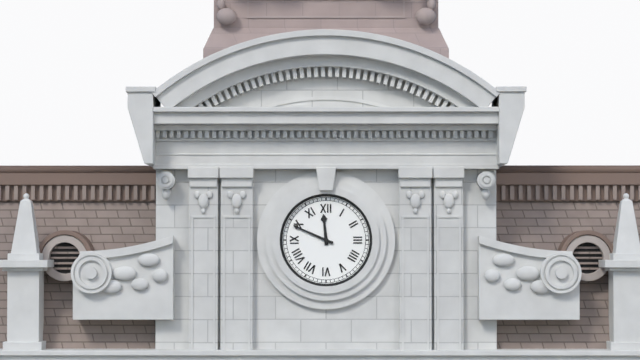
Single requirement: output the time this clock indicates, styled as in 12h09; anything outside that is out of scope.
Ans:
11h49
